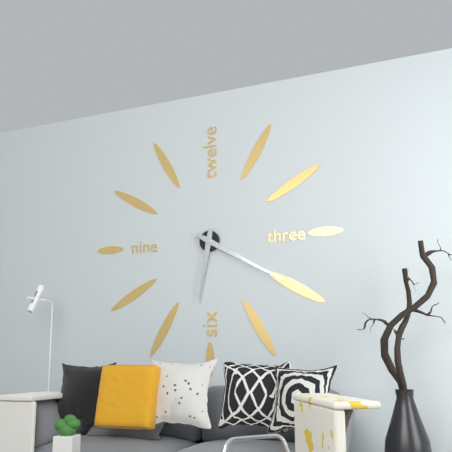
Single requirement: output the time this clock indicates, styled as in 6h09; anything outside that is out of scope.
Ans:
6h20
